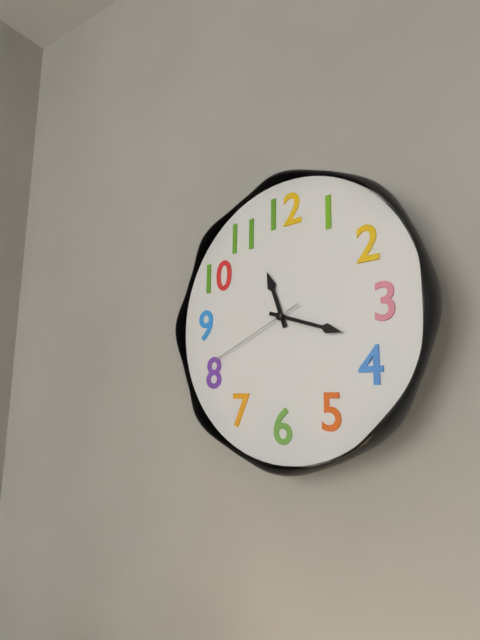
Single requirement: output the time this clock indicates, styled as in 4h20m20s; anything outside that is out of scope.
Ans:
11h18m41s
